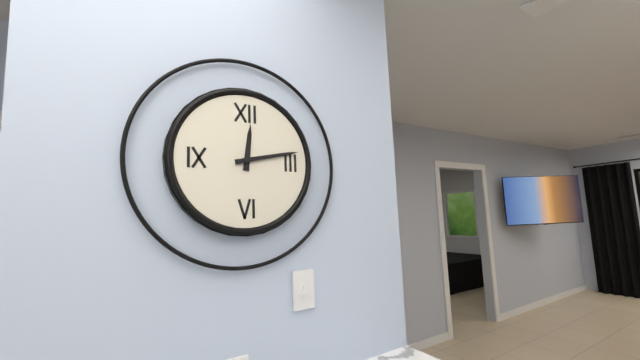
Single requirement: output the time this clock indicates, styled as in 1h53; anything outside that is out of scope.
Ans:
12h13
